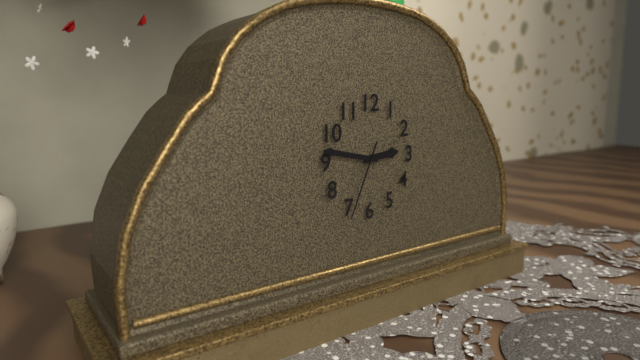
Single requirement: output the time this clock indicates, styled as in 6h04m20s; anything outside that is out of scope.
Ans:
2h47m34s
